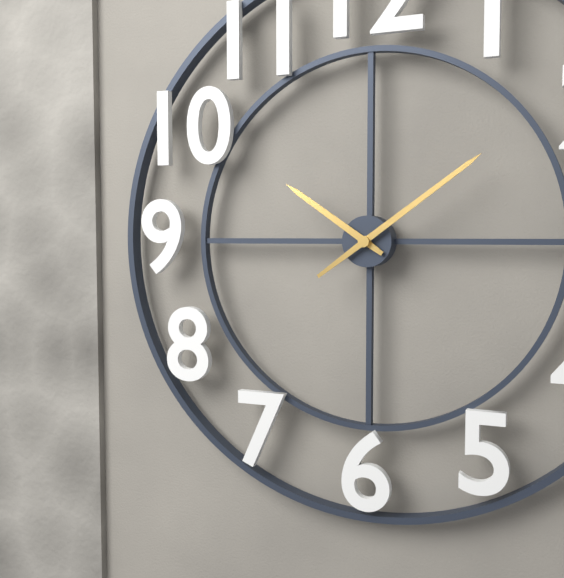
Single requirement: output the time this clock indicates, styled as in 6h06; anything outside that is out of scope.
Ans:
10h09
